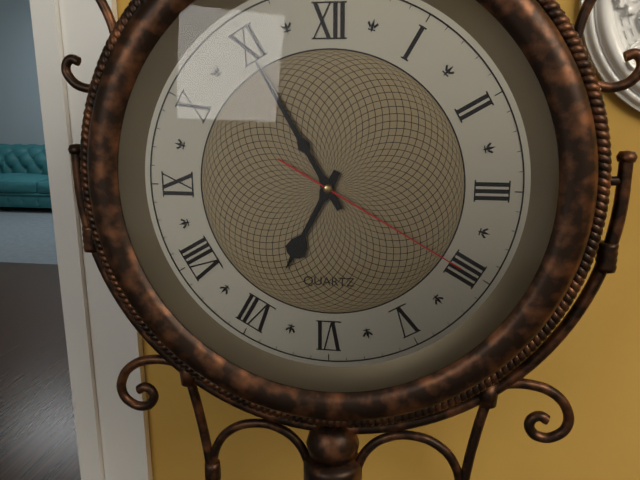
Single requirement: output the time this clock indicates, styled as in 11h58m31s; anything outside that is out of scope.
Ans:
6h55m20s
